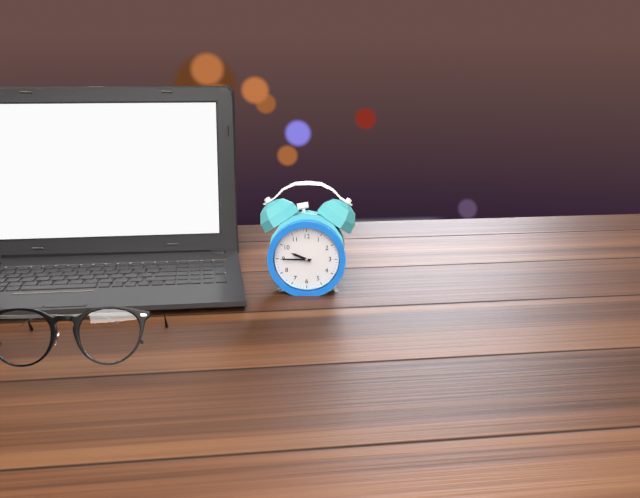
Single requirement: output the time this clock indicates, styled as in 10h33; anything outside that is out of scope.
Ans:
9h45
